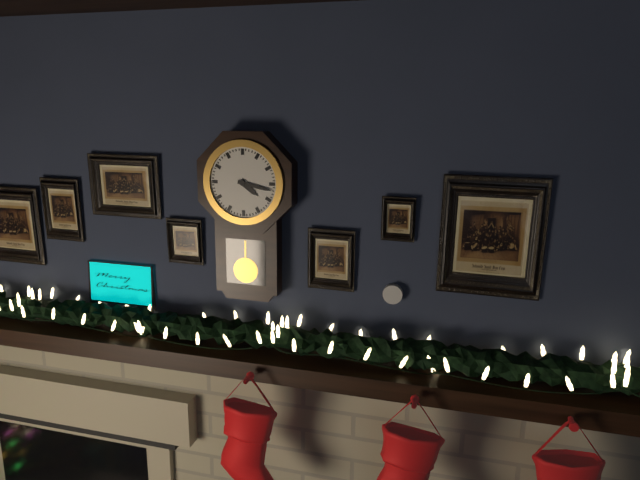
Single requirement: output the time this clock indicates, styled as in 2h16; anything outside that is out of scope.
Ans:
4h17
